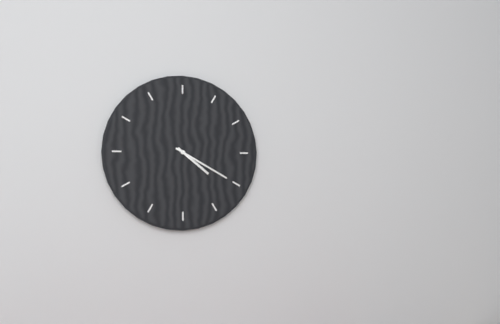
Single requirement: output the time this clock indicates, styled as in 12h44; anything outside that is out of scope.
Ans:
4h20
